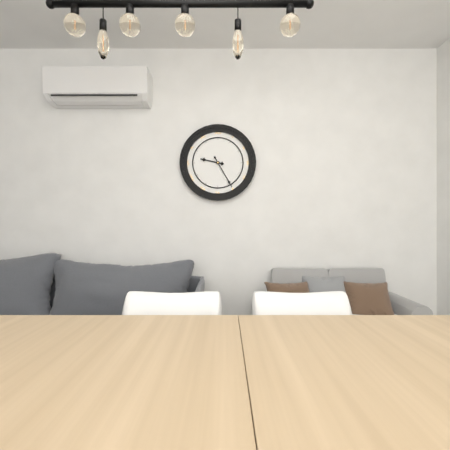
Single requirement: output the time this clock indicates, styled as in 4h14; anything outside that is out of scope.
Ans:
9h25
